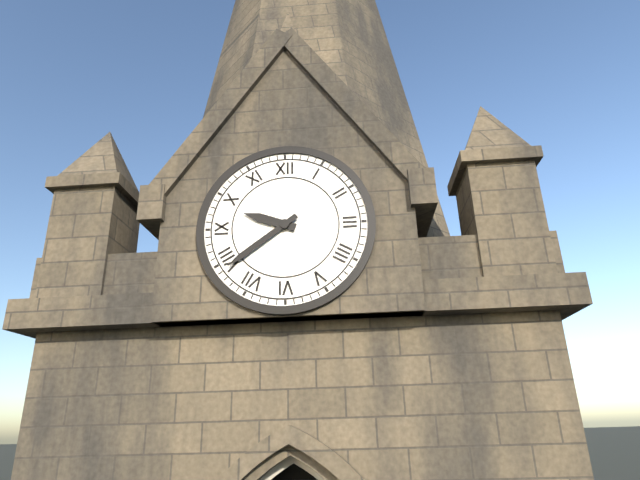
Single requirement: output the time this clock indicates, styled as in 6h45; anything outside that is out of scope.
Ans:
9h39
